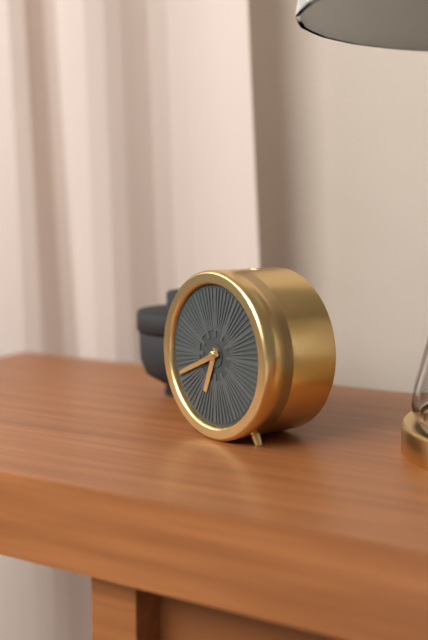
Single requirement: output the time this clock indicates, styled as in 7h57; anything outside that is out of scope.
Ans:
6h41
